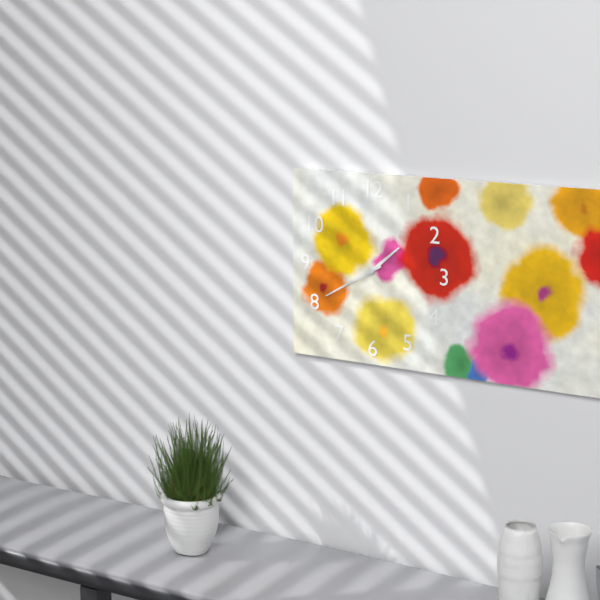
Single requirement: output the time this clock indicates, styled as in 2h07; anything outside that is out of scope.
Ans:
1h40
